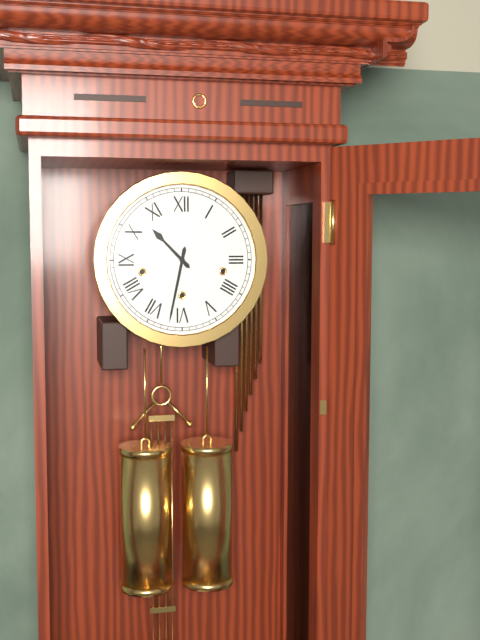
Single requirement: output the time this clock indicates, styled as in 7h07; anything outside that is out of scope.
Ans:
10h32
